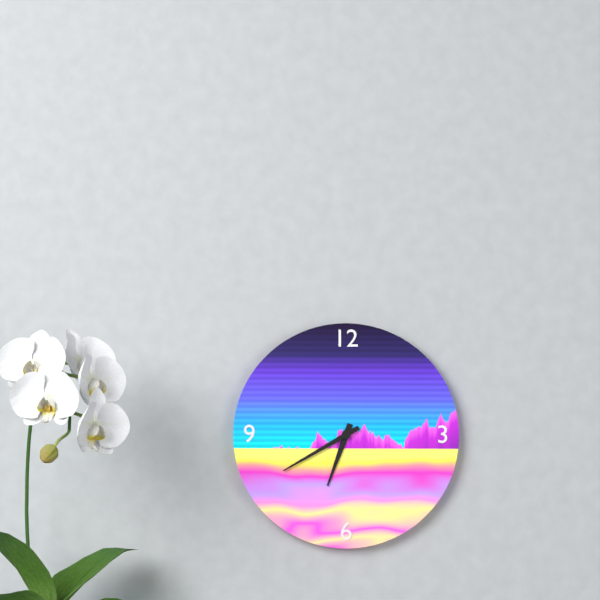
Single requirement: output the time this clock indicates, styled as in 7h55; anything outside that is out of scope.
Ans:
6h40
